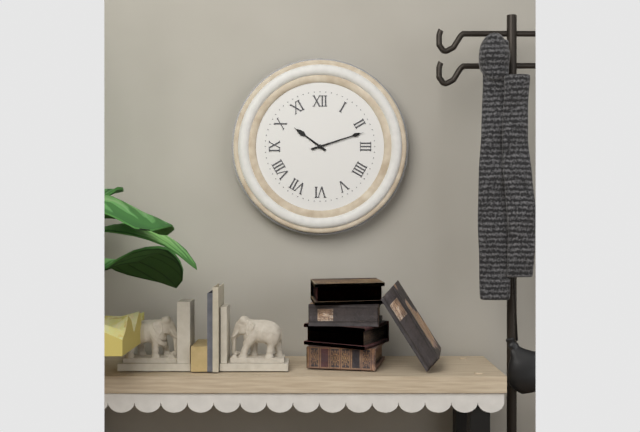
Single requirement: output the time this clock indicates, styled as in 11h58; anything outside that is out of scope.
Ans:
10h12
